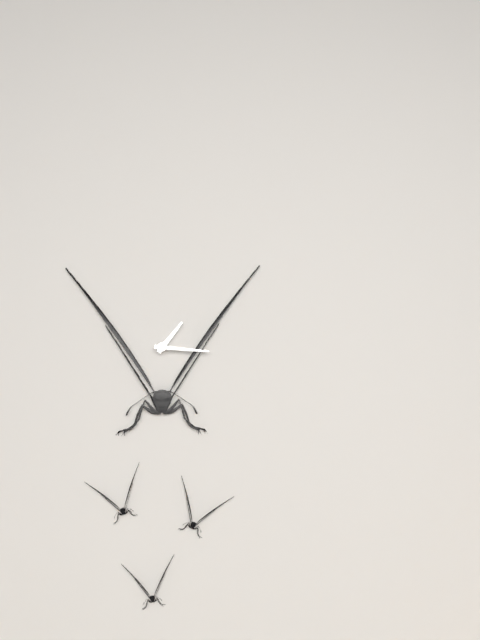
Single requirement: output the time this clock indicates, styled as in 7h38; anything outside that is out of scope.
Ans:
1h16
